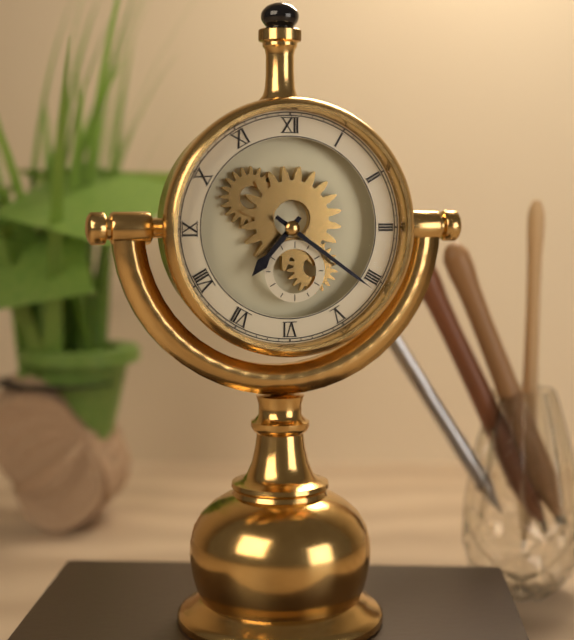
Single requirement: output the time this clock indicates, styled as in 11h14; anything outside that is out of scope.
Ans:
7h21
